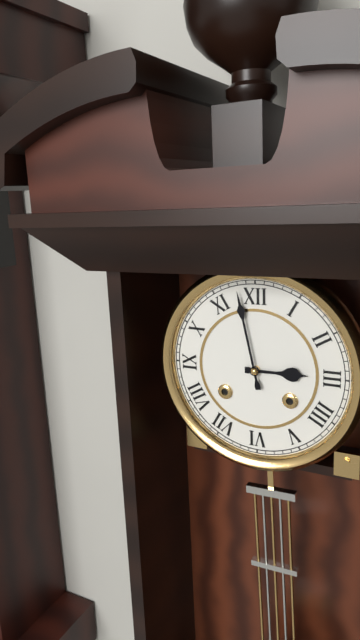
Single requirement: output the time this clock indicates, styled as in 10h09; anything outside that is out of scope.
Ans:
2h58
